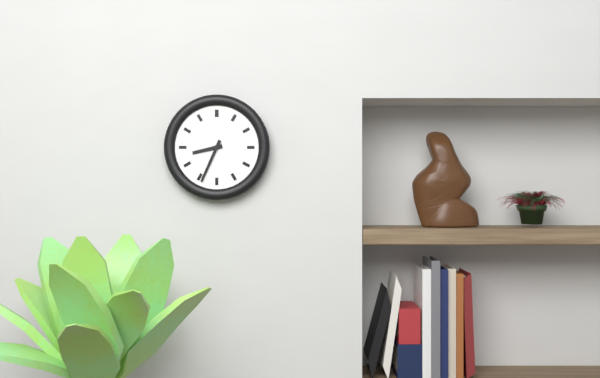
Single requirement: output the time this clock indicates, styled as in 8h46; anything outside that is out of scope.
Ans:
8h34
